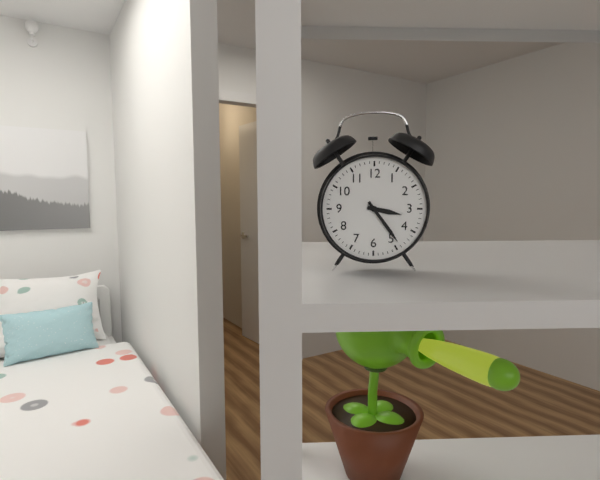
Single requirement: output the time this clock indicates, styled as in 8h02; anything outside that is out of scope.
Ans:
3h24
